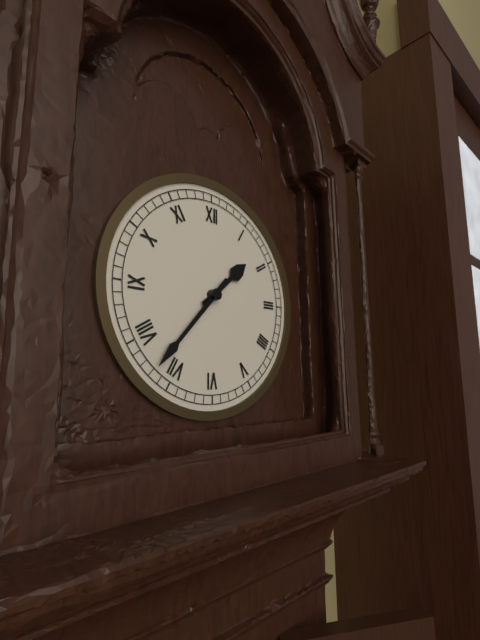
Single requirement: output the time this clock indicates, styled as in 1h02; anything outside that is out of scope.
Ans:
1h37
